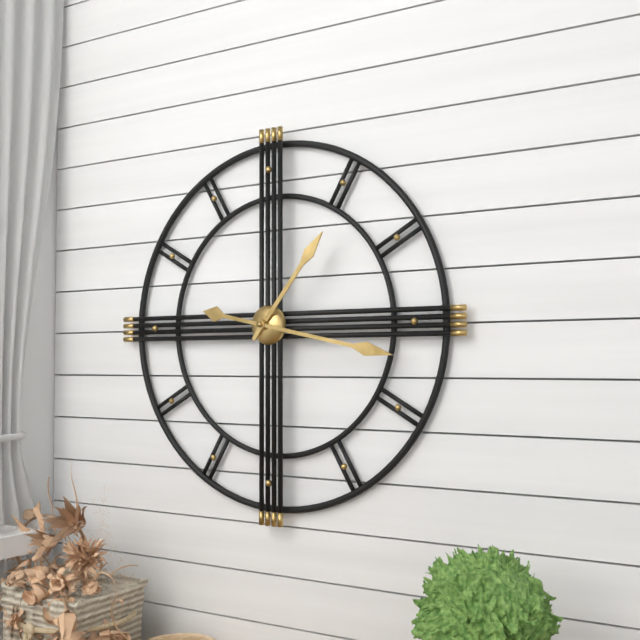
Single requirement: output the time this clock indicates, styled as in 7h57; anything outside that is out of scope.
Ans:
1h17
